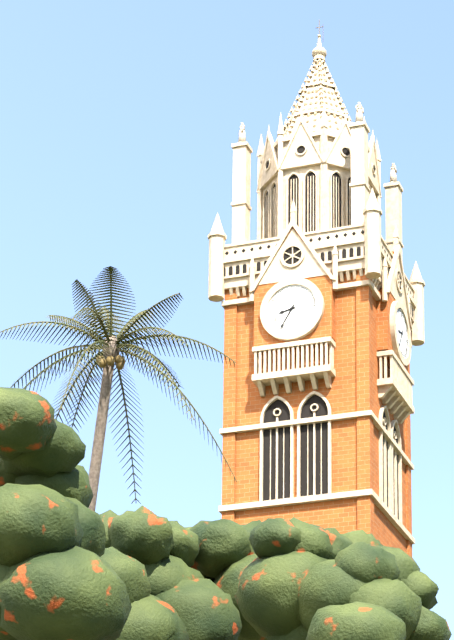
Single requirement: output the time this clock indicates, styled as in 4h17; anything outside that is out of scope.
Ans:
8h35
